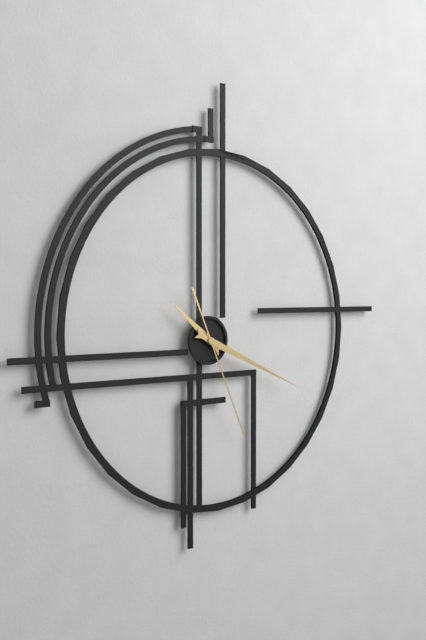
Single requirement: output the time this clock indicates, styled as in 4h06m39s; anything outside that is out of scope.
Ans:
10h19m26s
